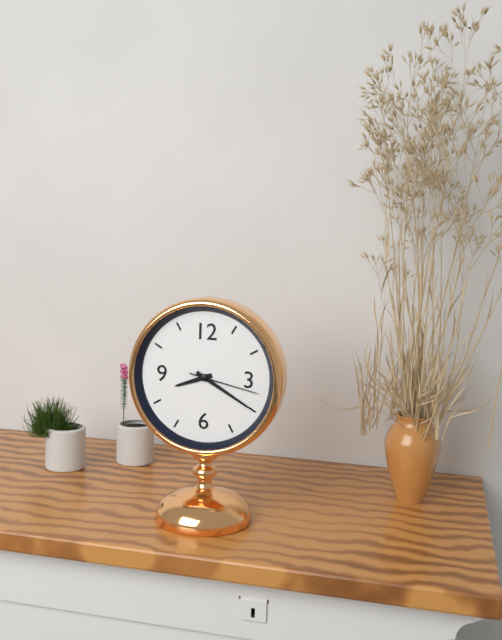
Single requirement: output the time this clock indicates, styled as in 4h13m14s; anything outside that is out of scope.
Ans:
8h20m17s
